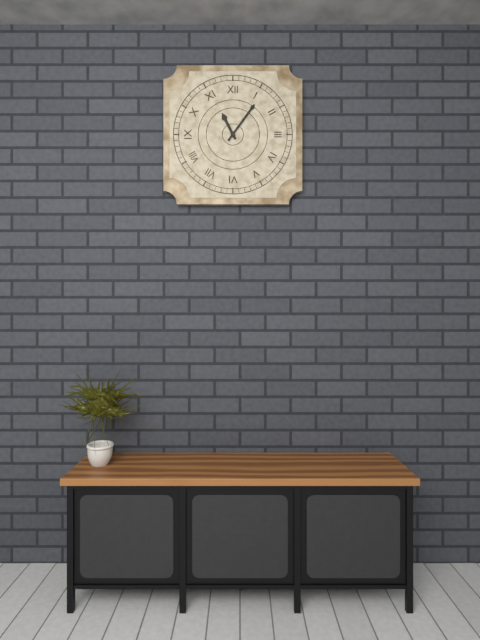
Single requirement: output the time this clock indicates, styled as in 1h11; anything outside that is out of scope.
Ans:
11h06
